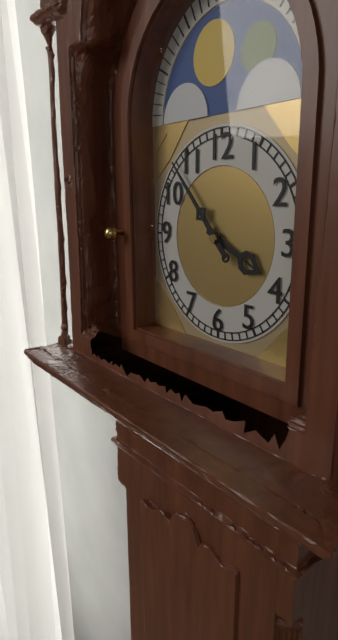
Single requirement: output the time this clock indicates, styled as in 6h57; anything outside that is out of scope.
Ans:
3h53
